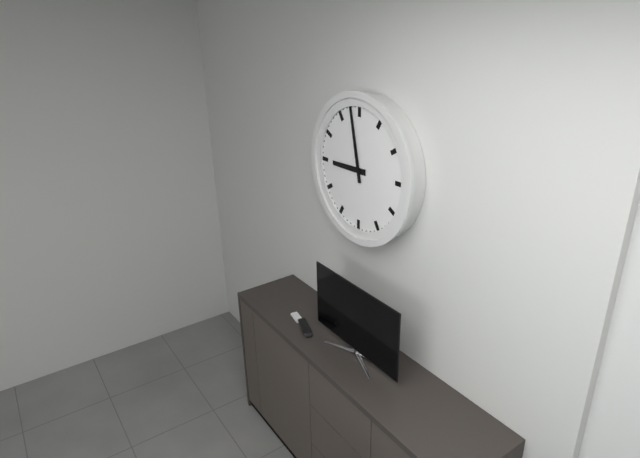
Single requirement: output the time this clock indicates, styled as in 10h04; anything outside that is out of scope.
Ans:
8h58
